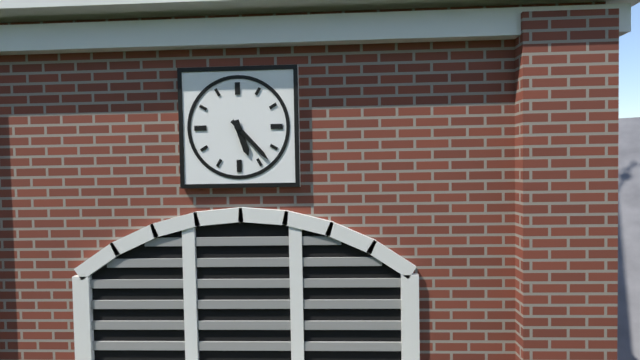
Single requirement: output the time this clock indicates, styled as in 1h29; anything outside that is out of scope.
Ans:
5h23
